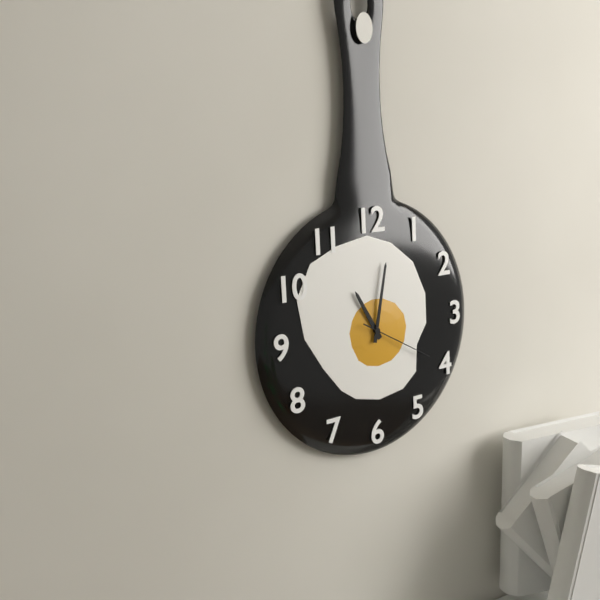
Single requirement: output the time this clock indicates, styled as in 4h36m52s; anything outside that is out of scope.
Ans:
11h02m20s
